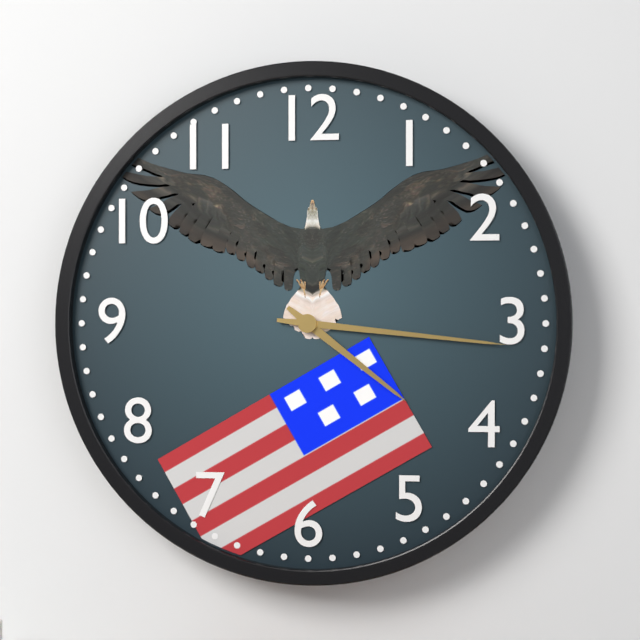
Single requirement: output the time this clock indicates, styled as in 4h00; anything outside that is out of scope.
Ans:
4h16
